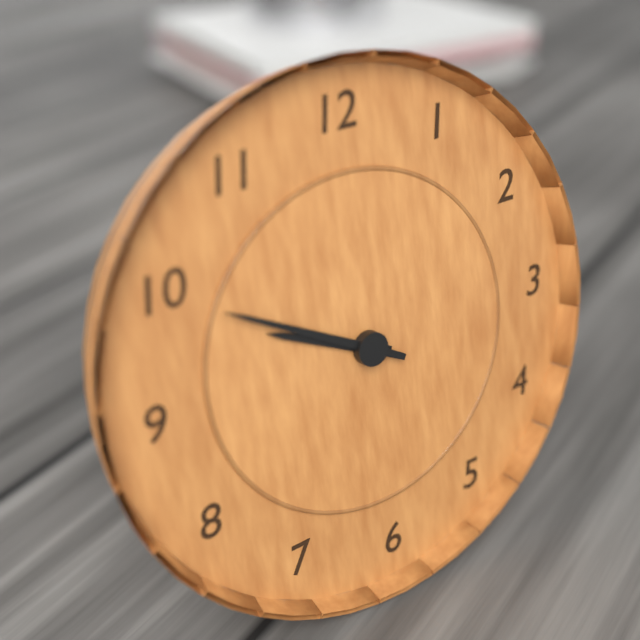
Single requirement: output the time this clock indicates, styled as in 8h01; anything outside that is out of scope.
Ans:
9h50
